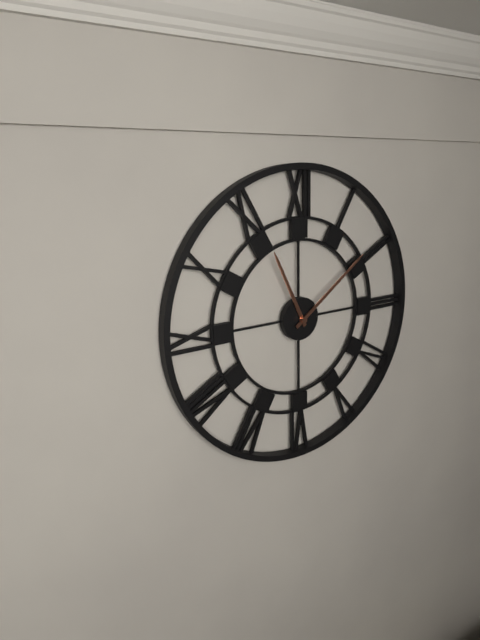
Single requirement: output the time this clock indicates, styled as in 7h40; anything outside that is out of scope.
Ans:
11h09
